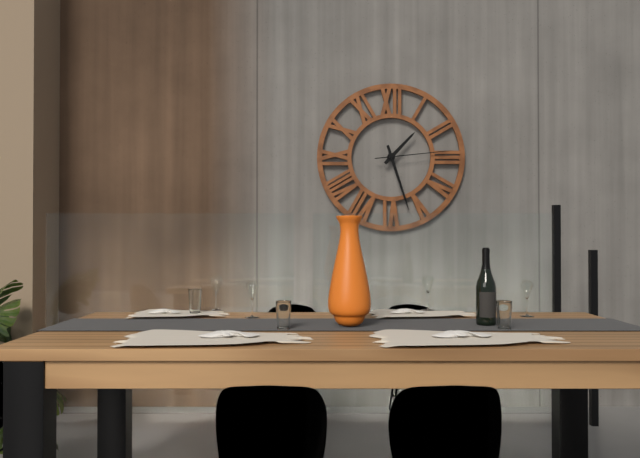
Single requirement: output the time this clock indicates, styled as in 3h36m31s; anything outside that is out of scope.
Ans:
1h27m14s
